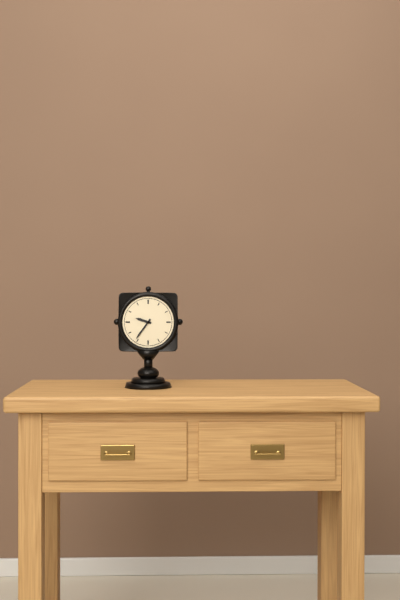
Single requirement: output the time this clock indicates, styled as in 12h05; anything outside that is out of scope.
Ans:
9h36
